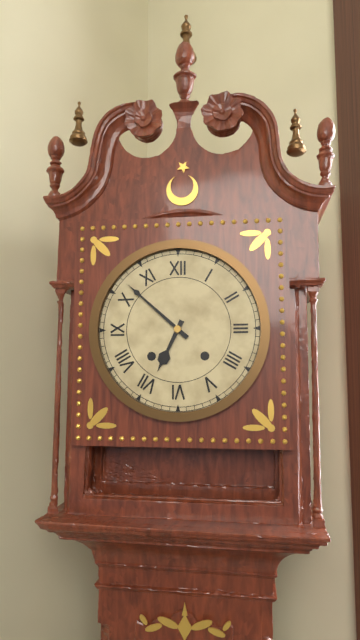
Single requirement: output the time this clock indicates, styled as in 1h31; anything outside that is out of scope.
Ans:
6h52
